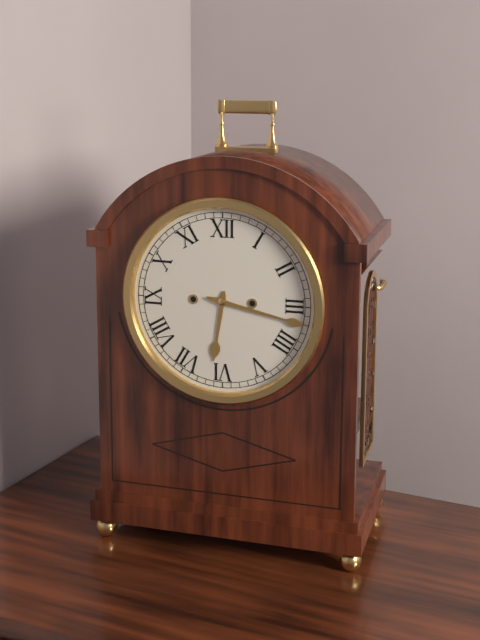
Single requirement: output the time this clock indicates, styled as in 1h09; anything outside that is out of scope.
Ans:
6h17
